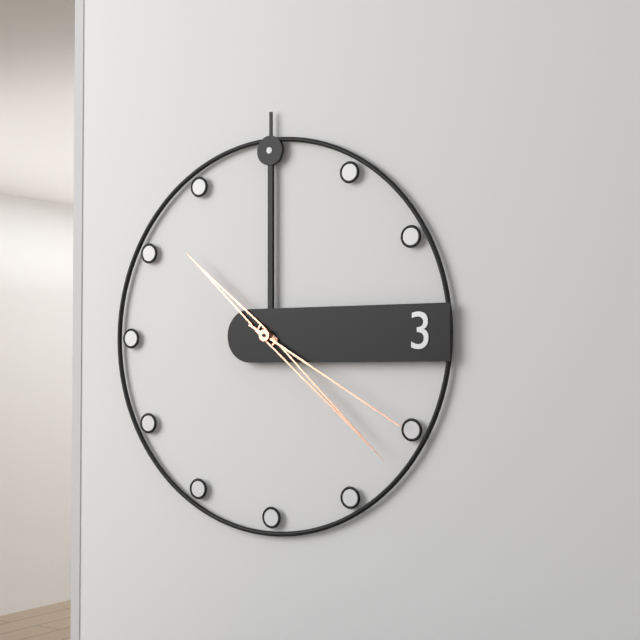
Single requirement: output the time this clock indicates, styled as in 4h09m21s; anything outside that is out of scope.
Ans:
10h22m20s
